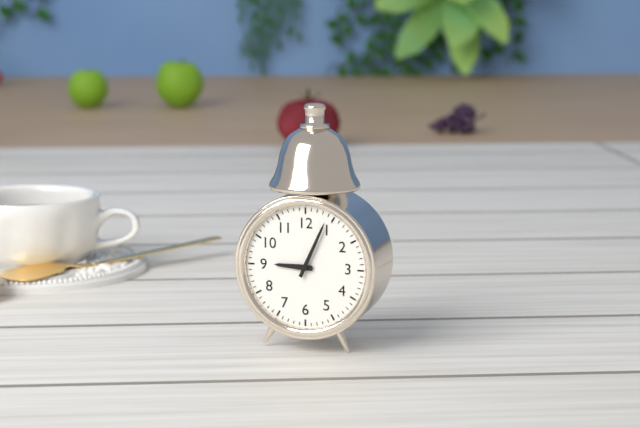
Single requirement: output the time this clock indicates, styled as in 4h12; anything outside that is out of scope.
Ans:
9h04
